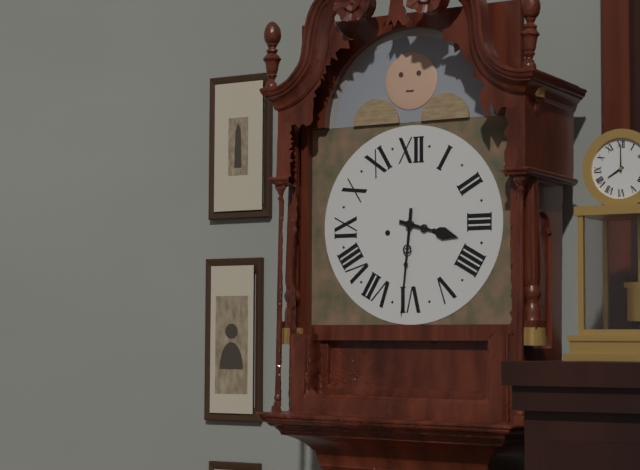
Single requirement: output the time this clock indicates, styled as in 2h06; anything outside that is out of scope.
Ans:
3h31
